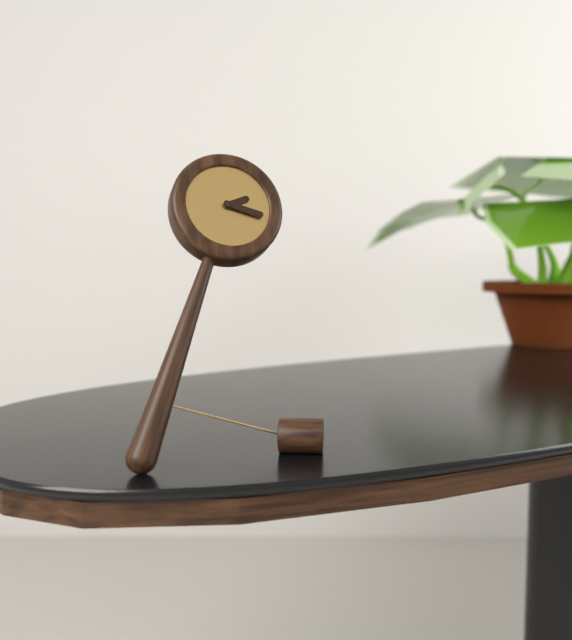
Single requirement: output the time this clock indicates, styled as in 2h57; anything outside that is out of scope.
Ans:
2h18
